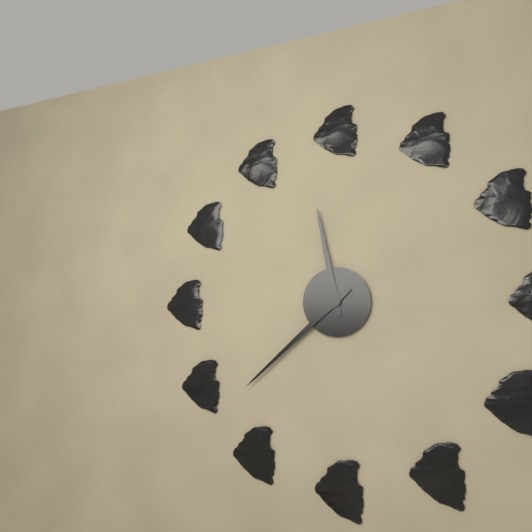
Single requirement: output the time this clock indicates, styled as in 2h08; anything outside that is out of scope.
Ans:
11h38
